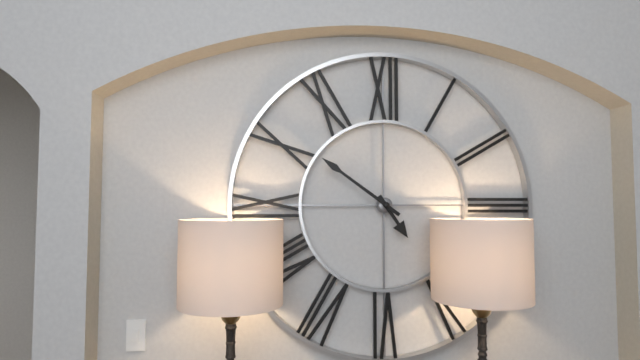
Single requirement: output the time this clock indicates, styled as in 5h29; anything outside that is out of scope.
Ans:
4h51
